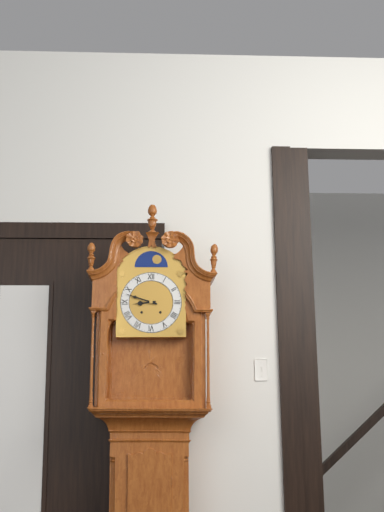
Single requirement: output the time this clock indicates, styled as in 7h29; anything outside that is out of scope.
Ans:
8h48
